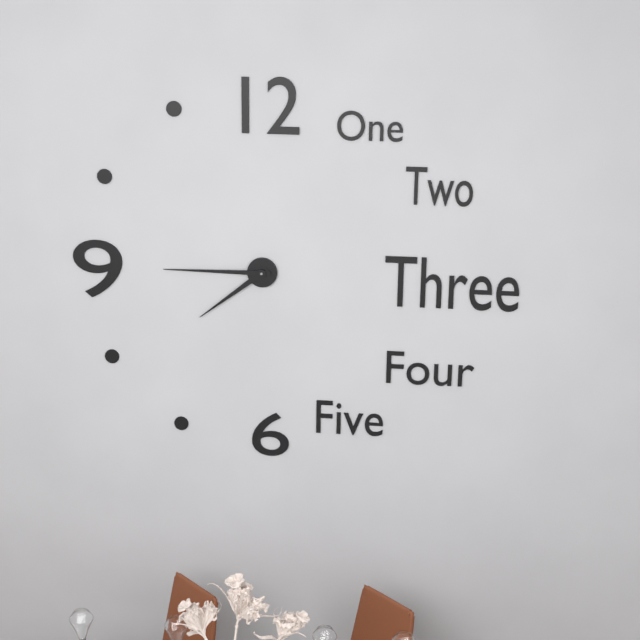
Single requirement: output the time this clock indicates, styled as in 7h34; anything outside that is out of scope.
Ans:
7h45
